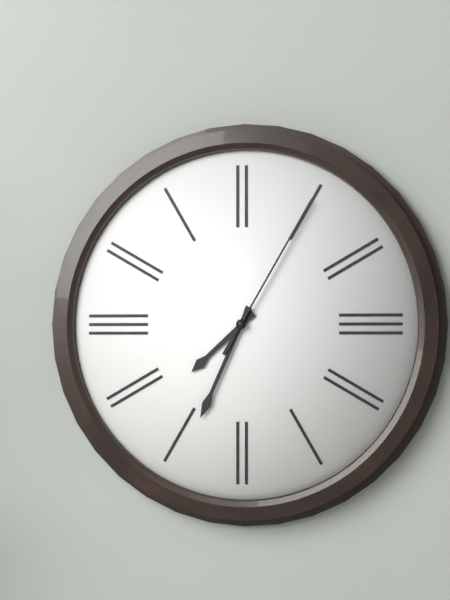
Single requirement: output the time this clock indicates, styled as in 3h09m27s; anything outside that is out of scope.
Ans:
7h34m05s
